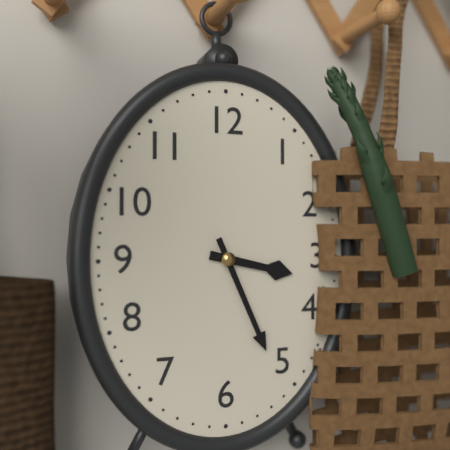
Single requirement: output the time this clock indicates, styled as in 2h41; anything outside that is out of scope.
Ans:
3h26
